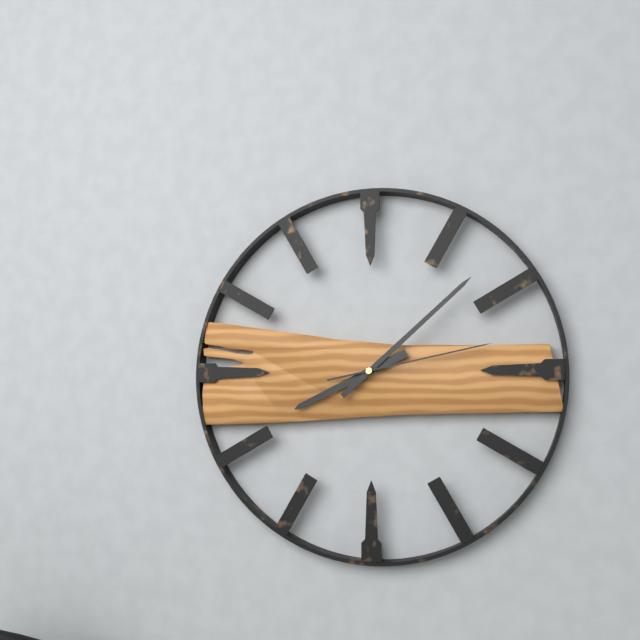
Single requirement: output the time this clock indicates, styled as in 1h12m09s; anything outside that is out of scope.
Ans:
8h08m13s
